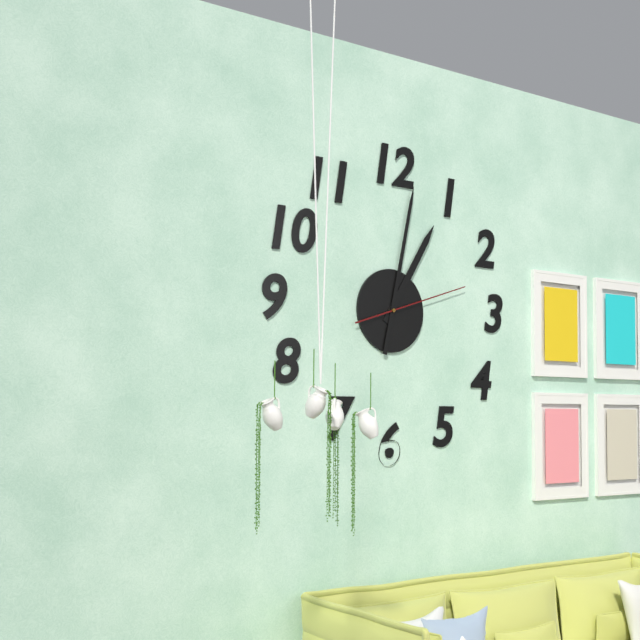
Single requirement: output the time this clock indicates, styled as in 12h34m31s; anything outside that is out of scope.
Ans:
1h02m12s
